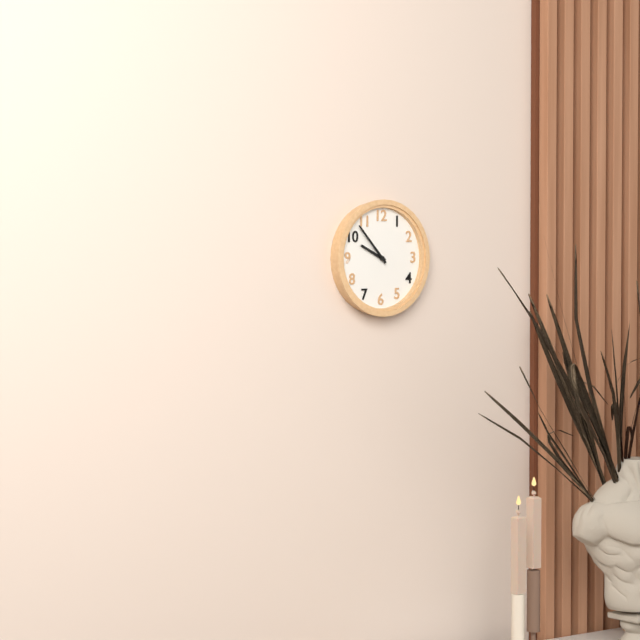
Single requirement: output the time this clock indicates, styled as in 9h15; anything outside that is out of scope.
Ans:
9h53
